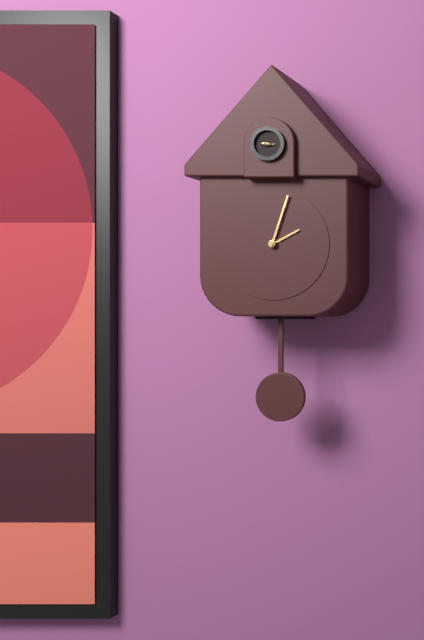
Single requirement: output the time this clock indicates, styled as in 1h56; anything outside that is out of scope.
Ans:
2h03
